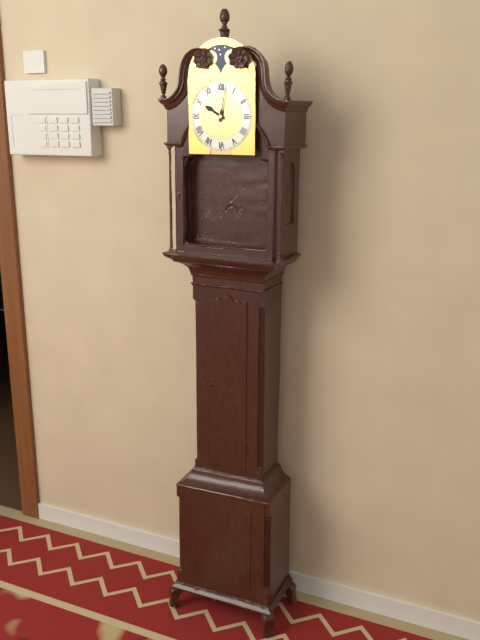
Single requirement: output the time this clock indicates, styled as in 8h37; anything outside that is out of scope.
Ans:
10h02
